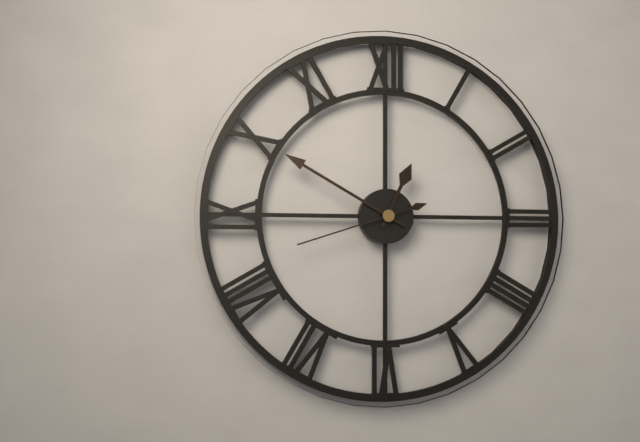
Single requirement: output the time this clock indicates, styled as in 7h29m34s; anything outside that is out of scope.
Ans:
12h50m42s
